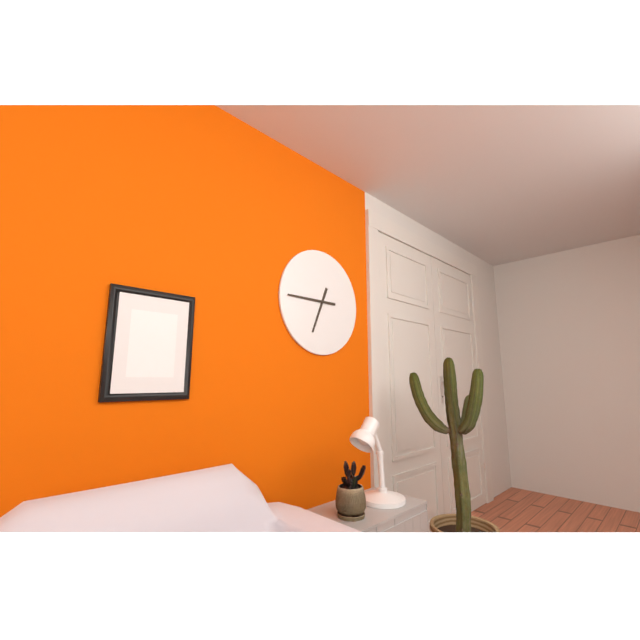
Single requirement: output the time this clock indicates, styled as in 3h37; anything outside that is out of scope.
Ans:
6h45
